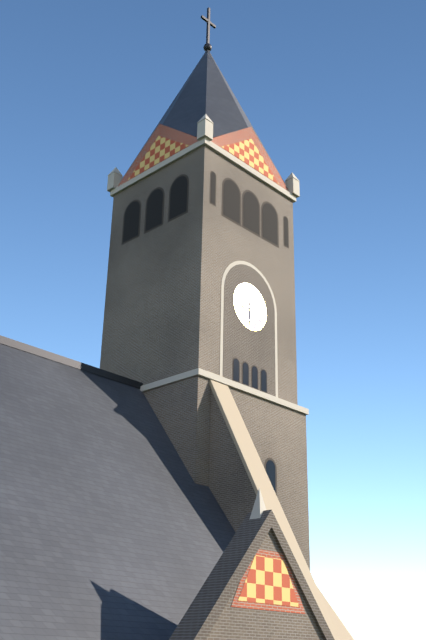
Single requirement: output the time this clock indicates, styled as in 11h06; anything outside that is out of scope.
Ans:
8h30
